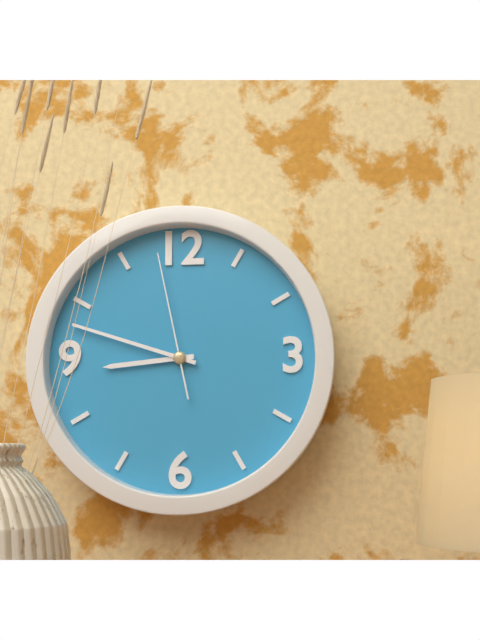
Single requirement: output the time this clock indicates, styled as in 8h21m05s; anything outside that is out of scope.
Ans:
8h48m58s
